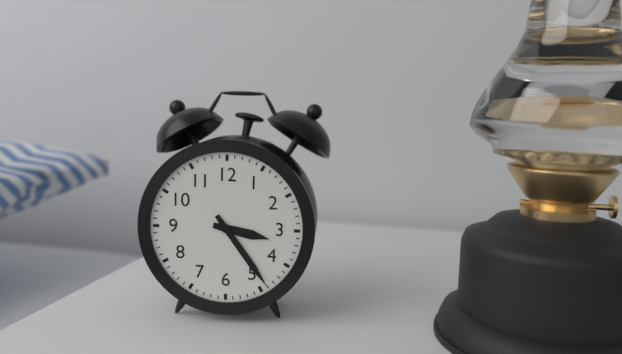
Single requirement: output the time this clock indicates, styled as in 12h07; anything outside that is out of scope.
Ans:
3h24
